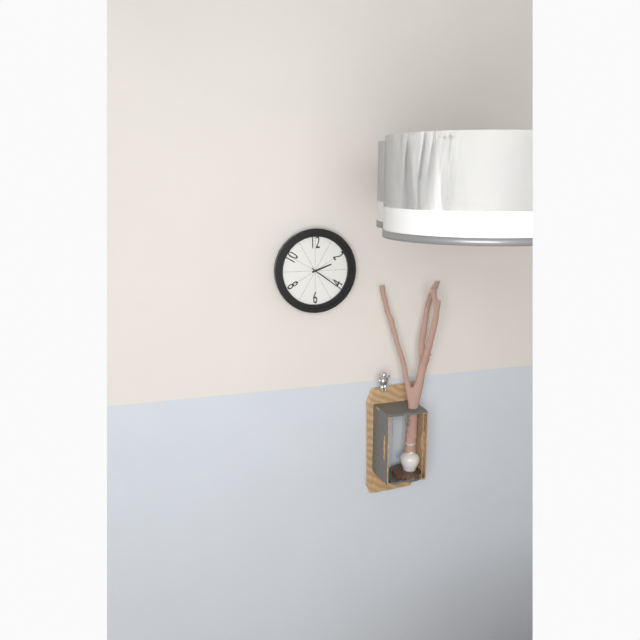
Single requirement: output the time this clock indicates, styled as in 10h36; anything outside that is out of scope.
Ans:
2h21
